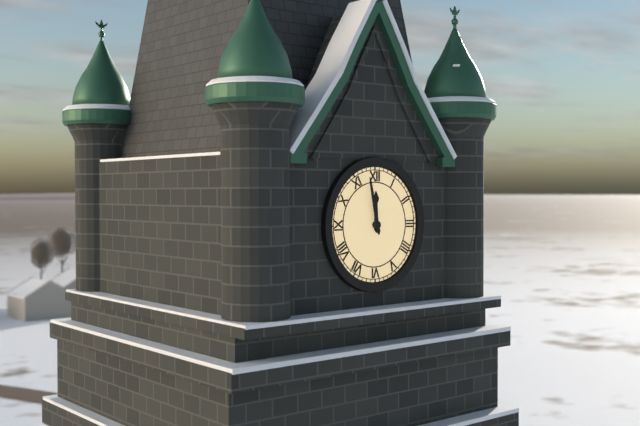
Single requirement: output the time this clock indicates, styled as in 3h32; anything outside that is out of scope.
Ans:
11h58
